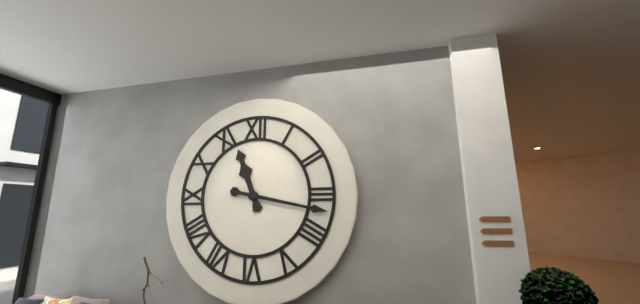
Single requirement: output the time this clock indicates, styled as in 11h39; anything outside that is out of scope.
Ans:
11h17
